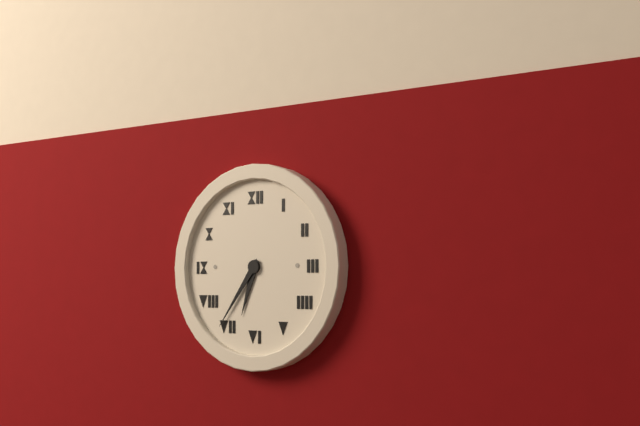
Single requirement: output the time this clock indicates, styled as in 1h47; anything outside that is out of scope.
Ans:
6h36
